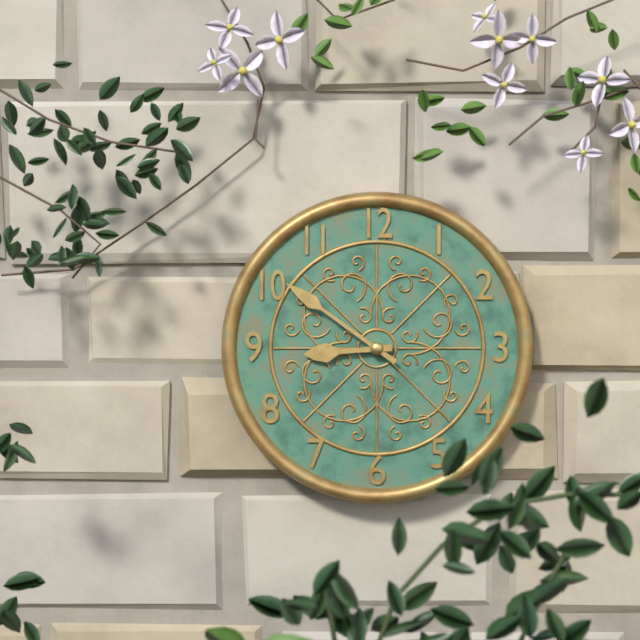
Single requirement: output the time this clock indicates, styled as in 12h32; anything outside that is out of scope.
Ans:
8h51
